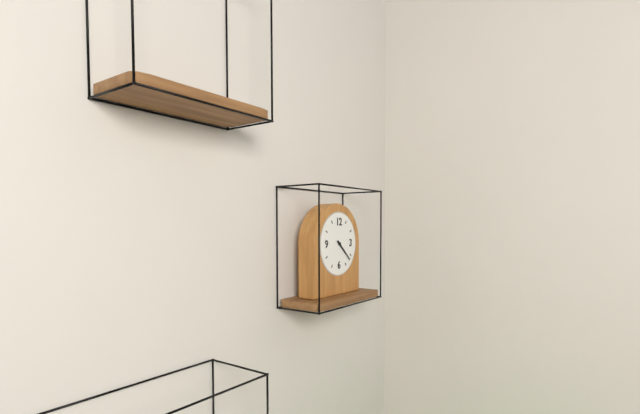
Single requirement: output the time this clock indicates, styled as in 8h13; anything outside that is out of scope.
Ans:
4h22
